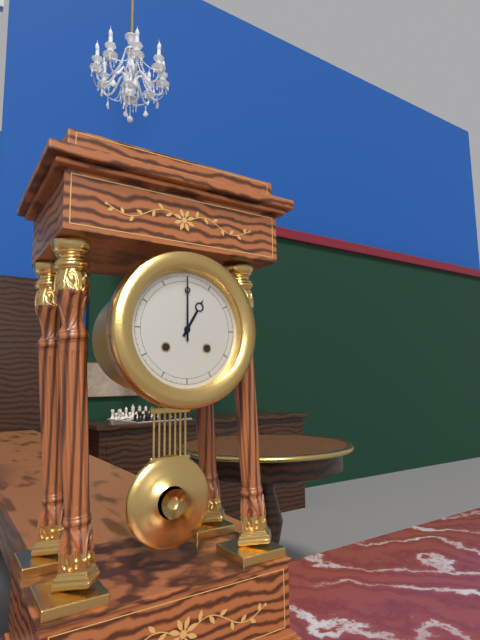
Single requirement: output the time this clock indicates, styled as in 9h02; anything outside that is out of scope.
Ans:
1h00
